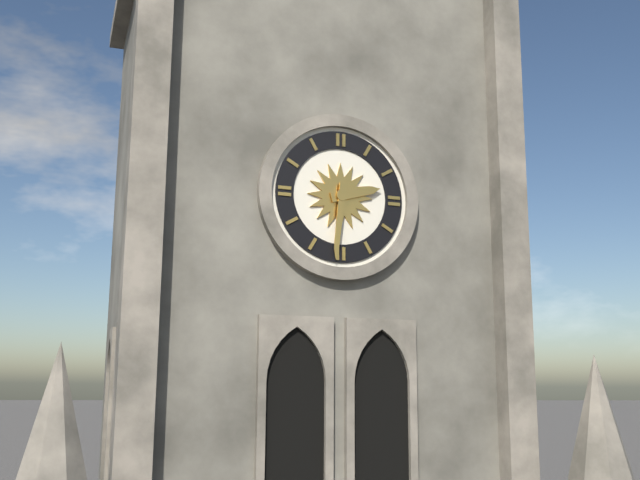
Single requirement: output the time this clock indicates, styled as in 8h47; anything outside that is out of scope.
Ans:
2h31
